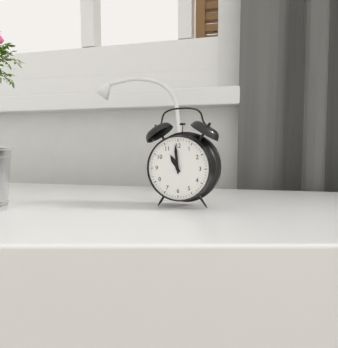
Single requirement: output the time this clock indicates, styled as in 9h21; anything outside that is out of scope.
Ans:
10h59
